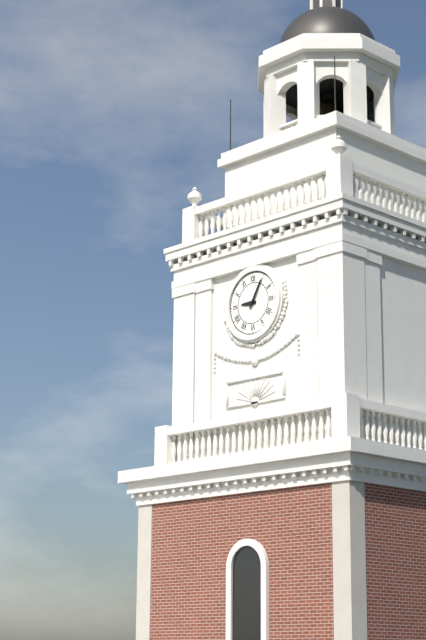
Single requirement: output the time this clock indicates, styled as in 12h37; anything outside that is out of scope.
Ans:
9h05
